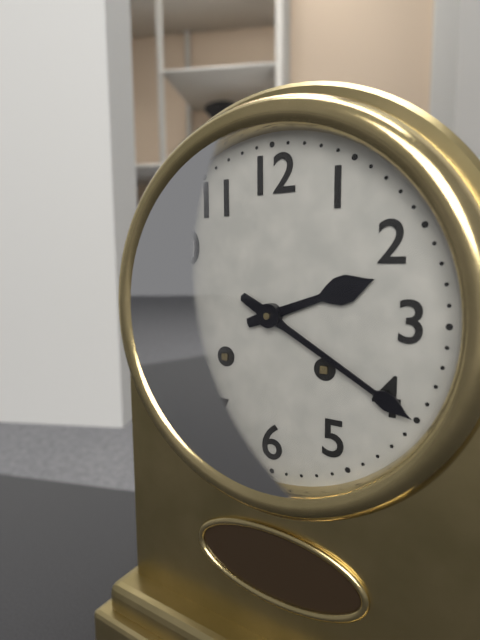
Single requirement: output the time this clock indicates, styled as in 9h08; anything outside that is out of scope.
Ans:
2h20
